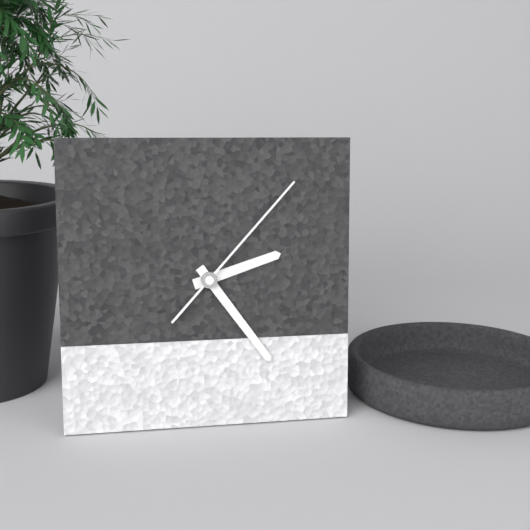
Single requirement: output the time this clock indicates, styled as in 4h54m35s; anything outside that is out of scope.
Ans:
2h24m07s
